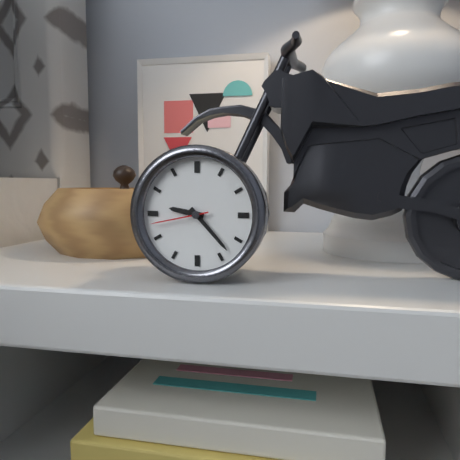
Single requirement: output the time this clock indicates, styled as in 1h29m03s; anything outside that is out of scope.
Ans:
9h23m43s
